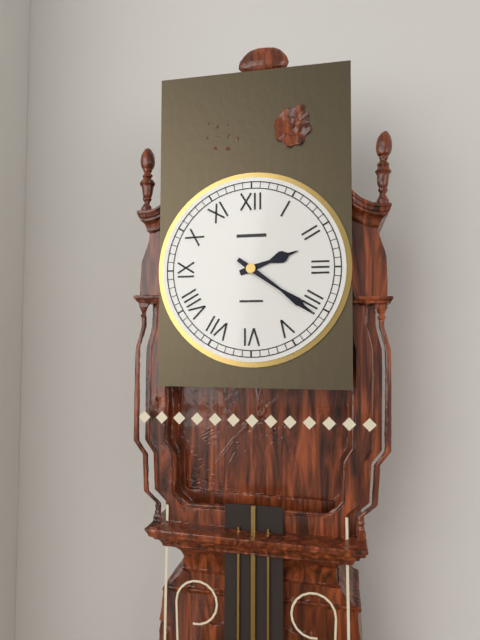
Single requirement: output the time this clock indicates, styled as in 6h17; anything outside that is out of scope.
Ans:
2h21
